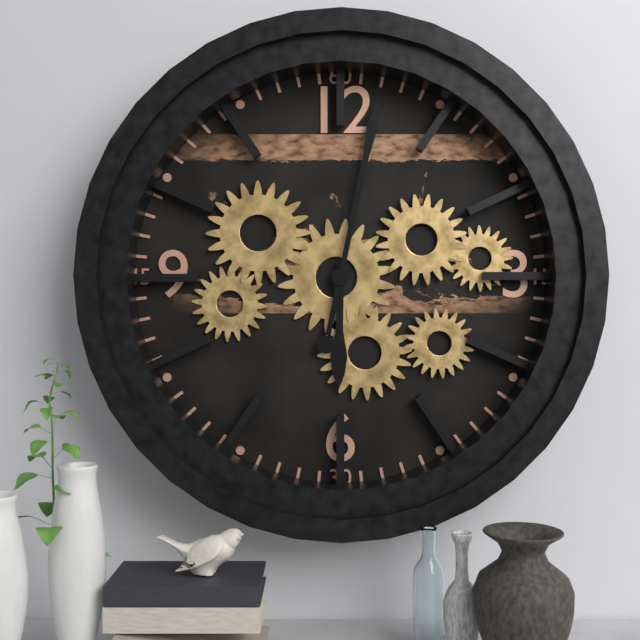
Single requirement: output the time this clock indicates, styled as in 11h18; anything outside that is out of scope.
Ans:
6h02
